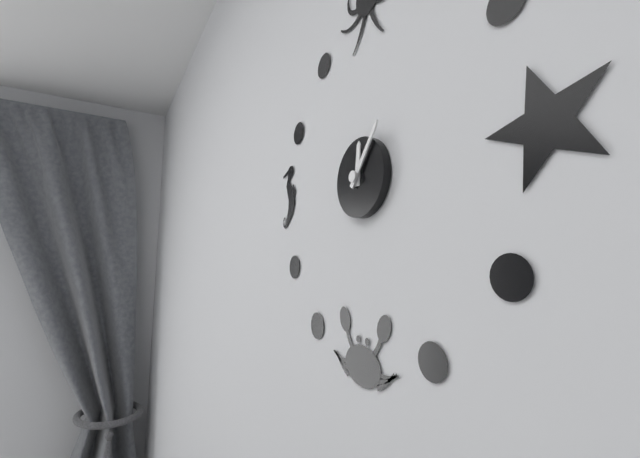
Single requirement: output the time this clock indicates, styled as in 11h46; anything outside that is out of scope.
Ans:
12h06
